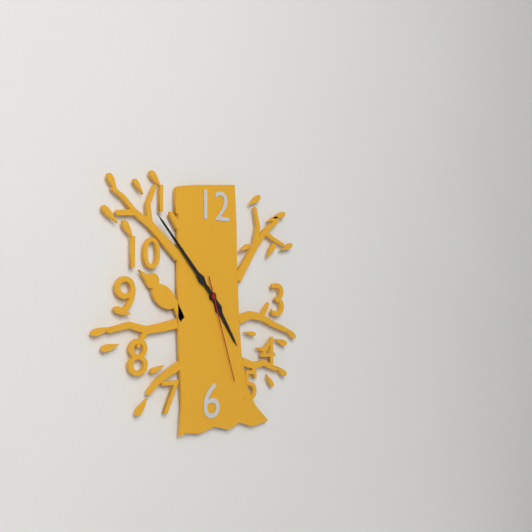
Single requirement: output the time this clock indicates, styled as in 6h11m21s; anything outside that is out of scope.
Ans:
4h53m27s
